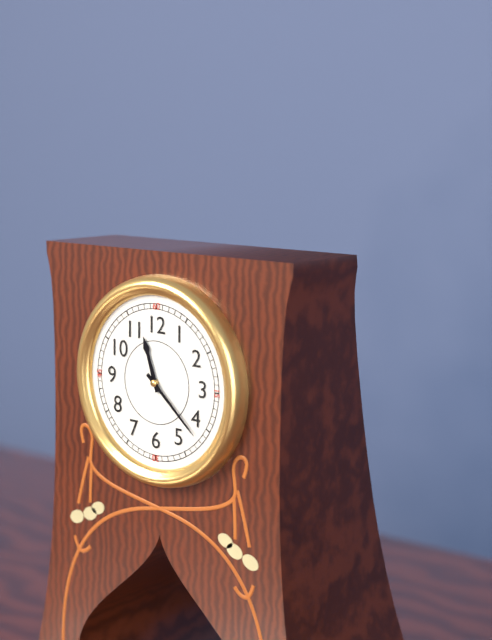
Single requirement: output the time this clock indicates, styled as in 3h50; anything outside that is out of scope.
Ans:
11h22
